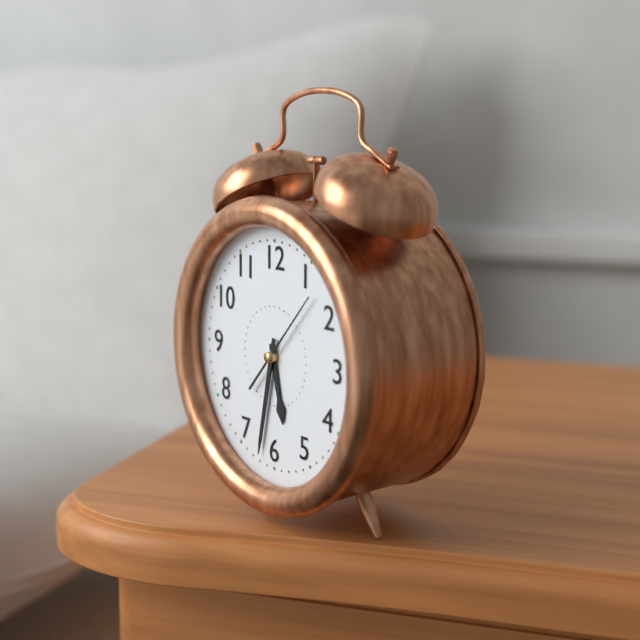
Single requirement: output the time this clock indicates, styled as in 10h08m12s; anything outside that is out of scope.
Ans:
5h32m07s
